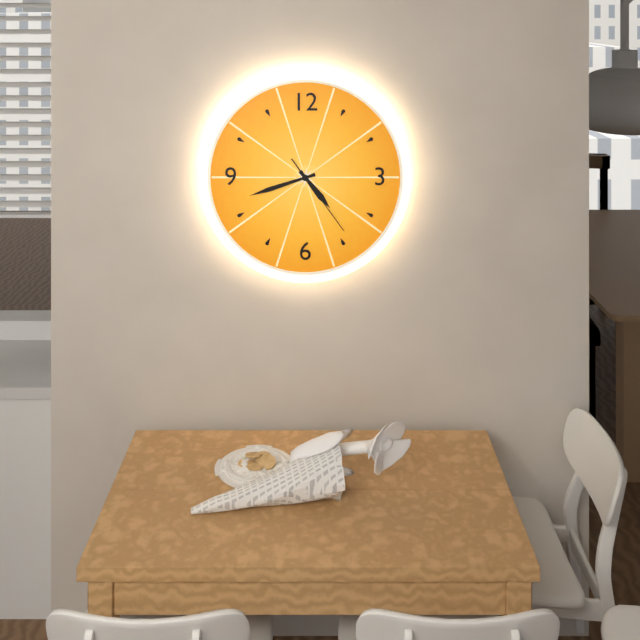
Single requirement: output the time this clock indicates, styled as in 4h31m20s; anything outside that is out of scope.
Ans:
4h42m24s
